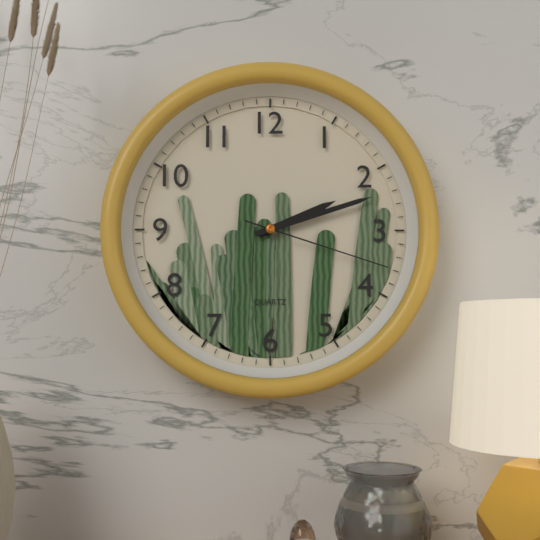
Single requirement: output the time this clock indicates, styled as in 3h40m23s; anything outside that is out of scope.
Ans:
2h12m18s
